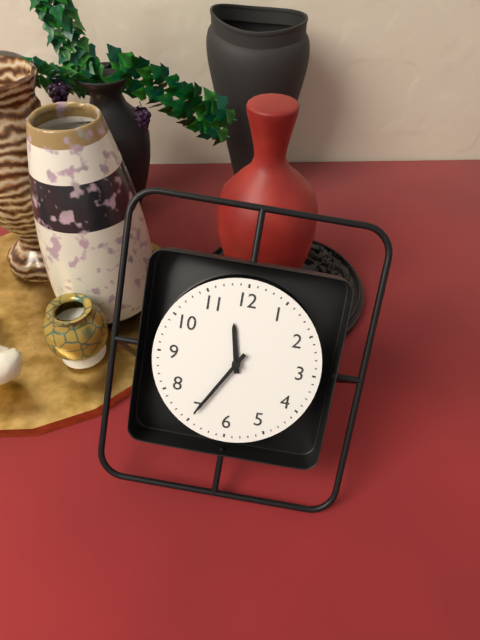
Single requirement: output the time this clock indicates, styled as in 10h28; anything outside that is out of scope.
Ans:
11h35
